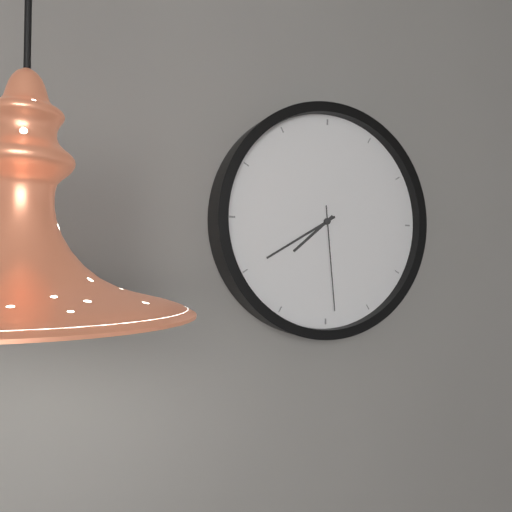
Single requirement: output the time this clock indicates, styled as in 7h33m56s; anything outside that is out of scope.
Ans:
7h40m29s
